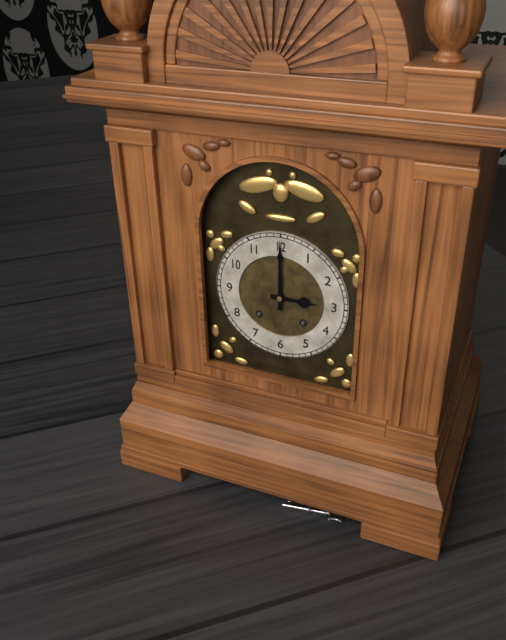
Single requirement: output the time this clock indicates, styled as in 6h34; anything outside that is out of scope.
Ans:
3h00
